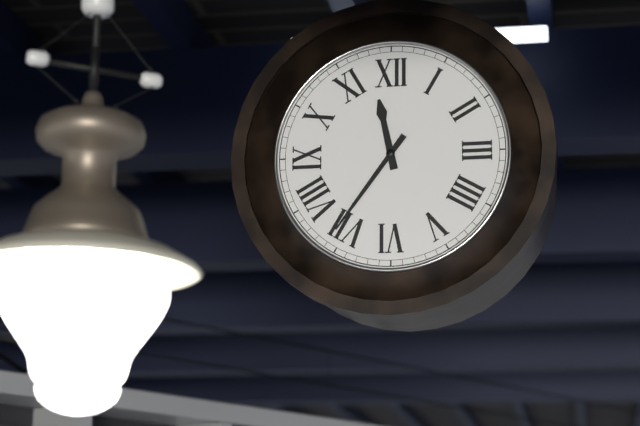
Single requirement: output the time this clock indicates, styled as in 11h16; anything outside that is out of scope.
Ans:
11h36
